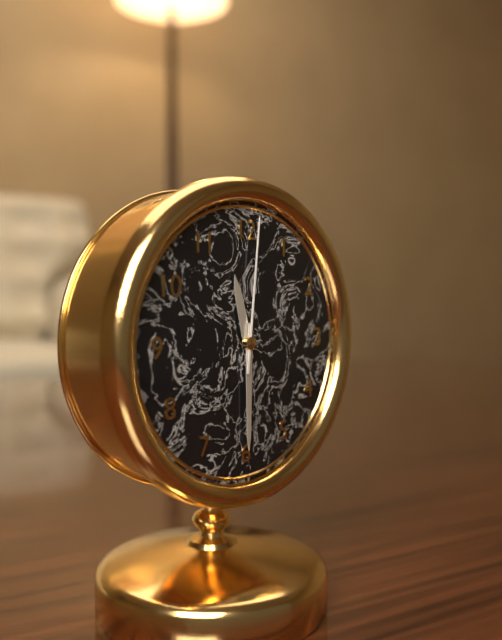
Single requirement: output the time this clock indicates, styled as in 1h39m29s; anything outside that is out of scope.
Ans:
11h30m01s
